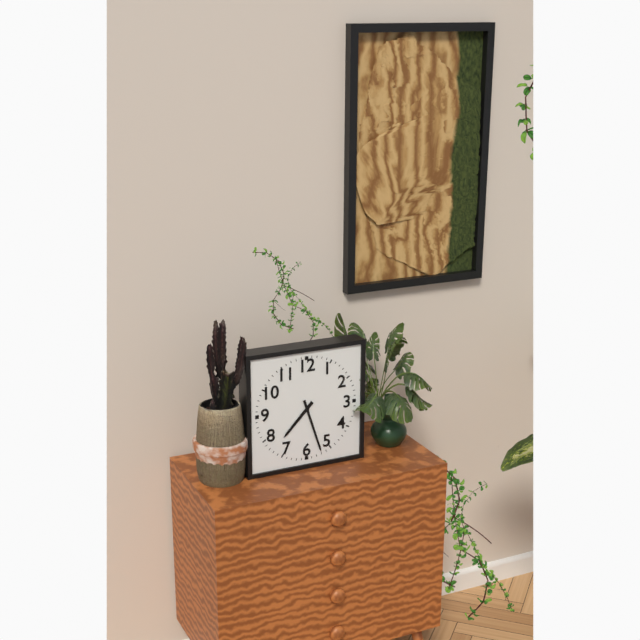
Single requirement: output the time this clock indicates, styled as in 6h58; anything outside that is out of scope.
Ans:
7h27
